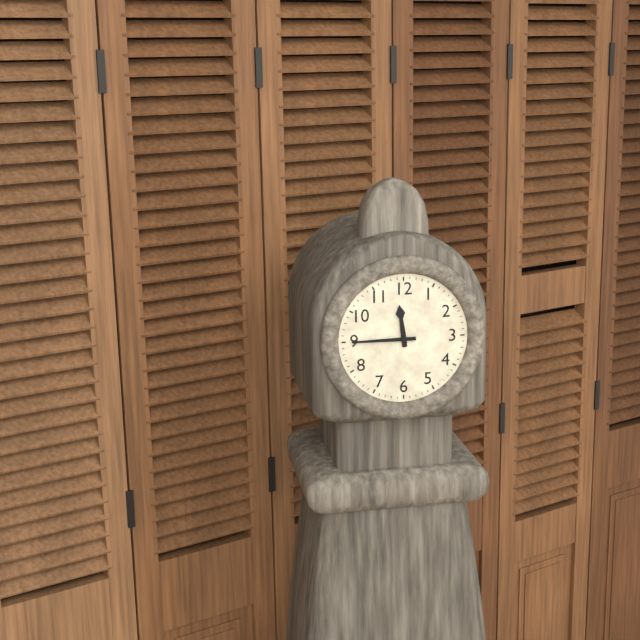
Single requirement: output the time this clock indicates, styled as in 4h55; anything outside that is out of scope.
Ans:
11h45
